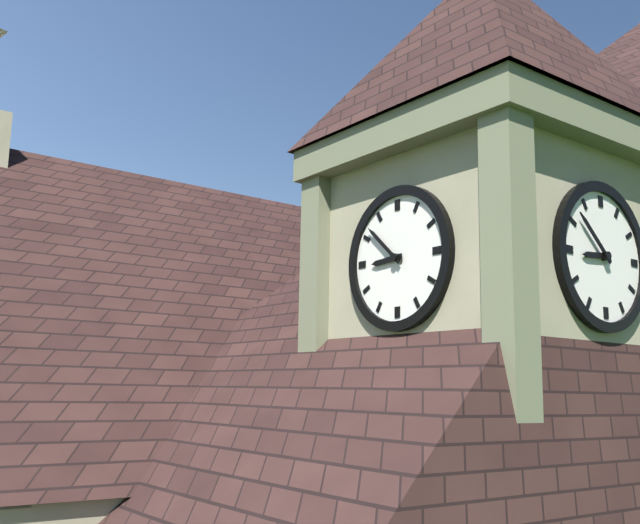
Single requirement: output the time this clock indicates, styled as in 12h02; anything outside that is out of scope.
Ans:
8h52
